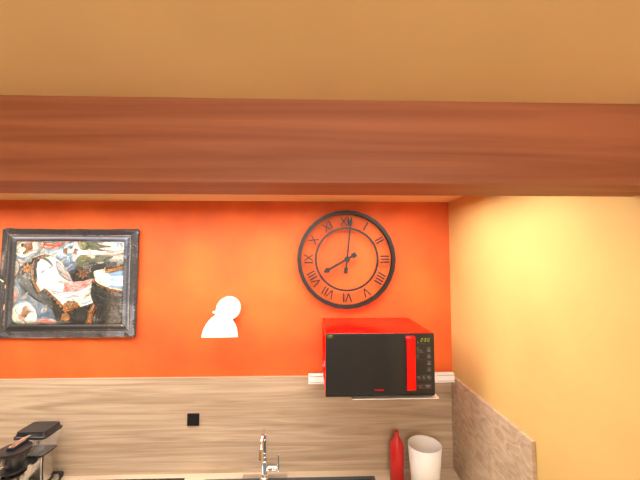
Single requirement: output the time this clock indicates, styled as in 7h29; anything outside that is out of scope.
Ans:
8h01
